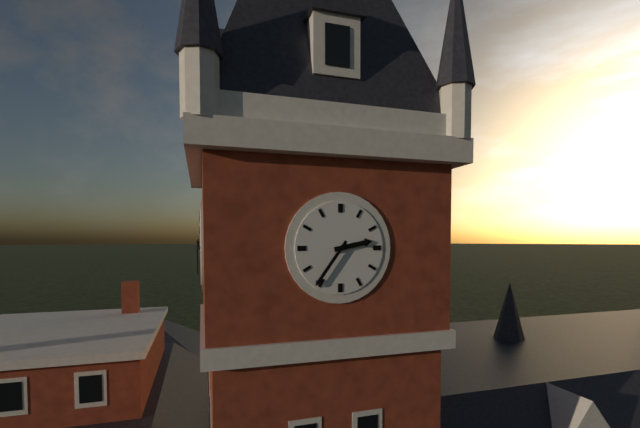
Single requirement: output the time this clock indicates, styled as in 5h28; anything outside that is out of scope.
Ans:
2h36
